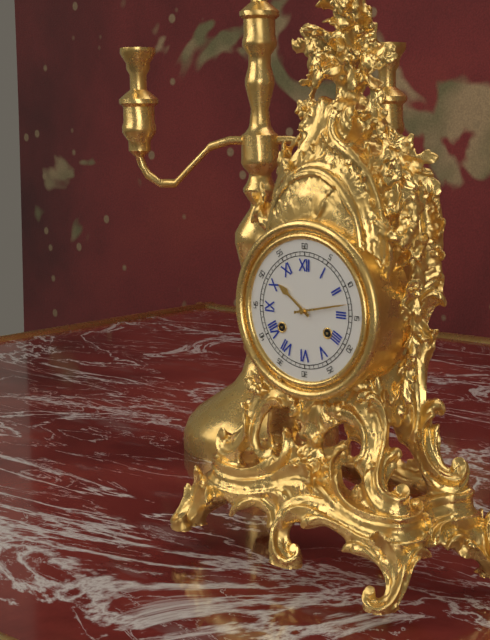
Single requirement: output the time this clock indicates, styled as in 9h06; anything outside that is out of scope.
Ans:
10h13
